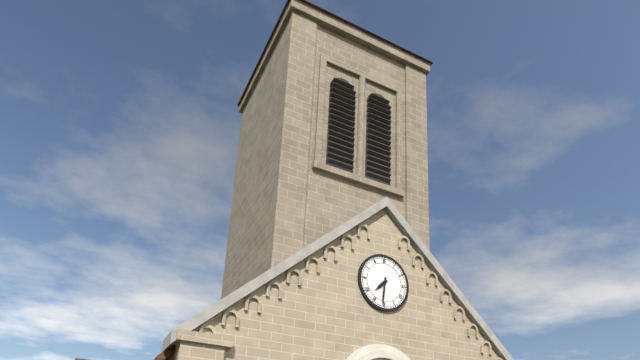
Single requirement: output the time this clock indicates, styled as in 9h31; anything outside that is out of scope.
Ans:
7h31
